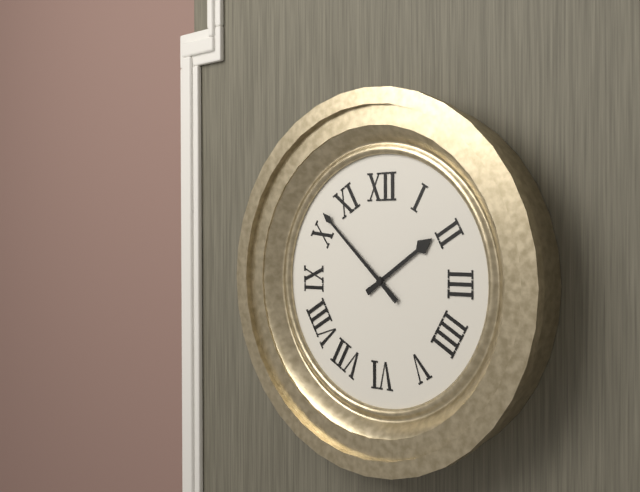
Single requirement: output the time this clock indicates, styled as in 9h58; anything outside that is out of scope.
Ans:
1h52
